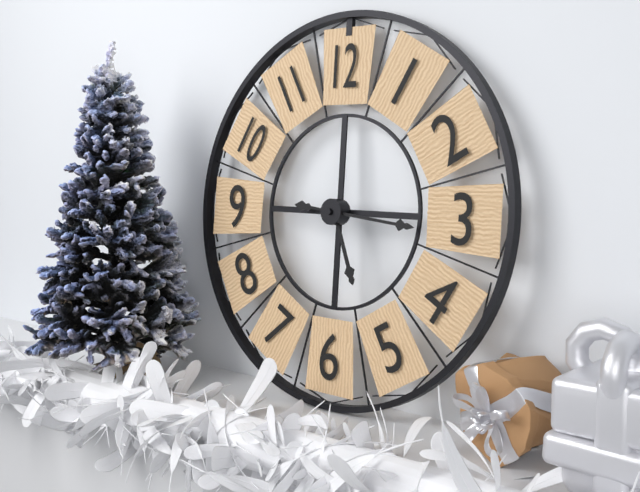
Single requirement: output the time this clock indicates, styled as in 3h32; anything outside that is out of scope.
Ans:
5h16
